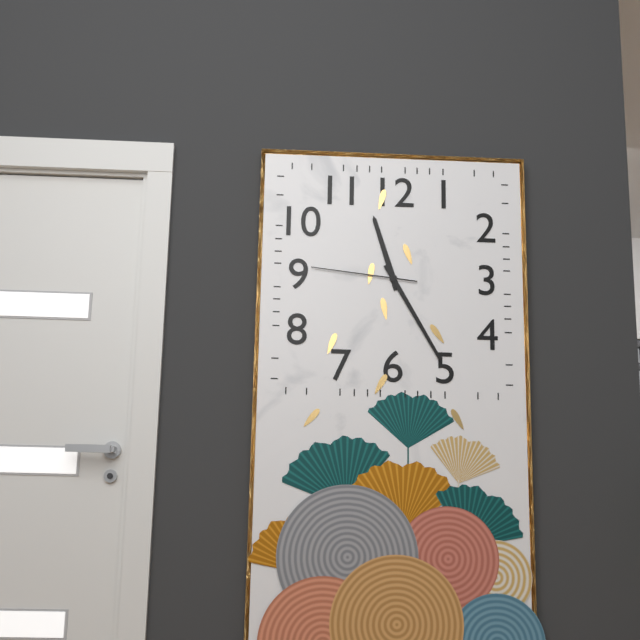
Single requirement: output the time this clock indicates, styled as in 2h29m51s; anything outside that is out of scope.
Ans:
11h25m46s
